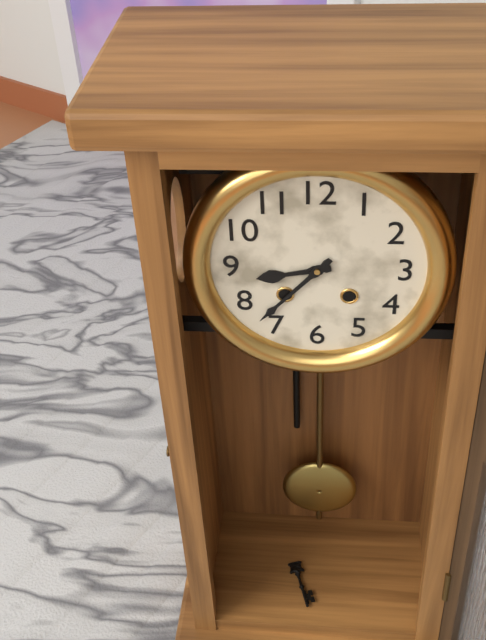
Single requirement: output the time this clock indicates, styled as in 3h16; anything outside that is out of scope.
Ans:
8h37
